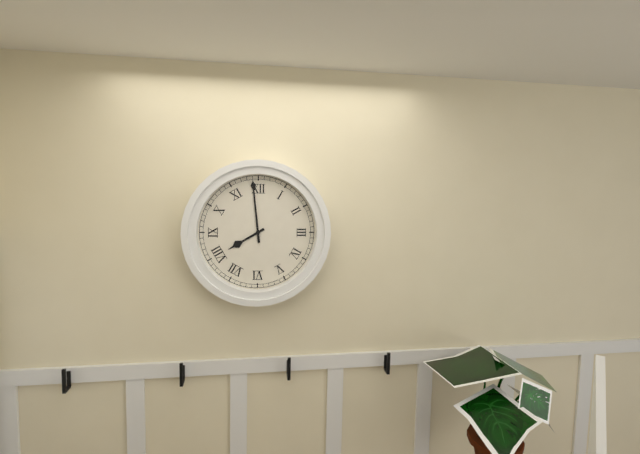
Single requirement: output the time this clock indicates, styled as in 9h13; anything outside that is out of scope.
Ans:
7h59
